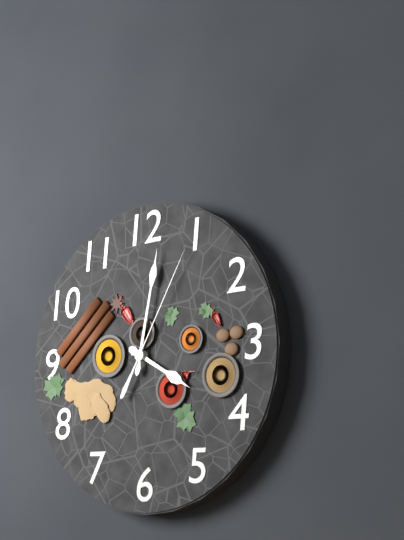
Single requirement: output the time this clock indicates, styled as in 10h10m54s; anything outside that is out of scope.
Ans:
4h02m05s
